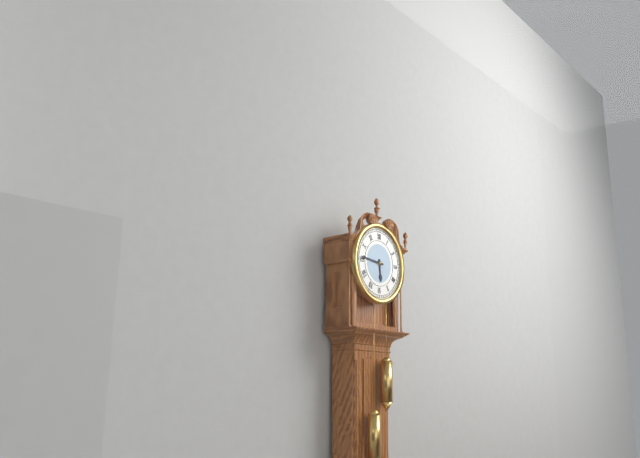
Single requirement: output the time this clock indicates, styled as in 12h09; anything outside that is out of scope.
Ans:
5h46
